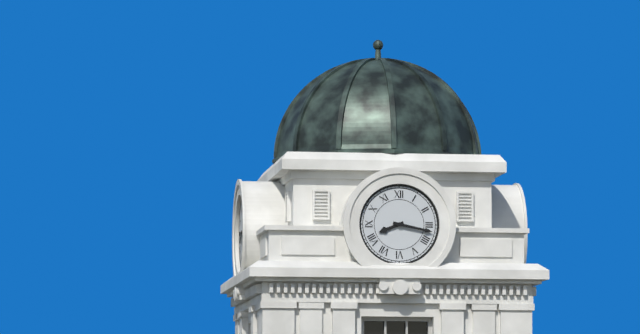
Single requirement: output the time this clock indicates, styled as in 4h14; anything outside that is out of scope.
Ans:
8h17
